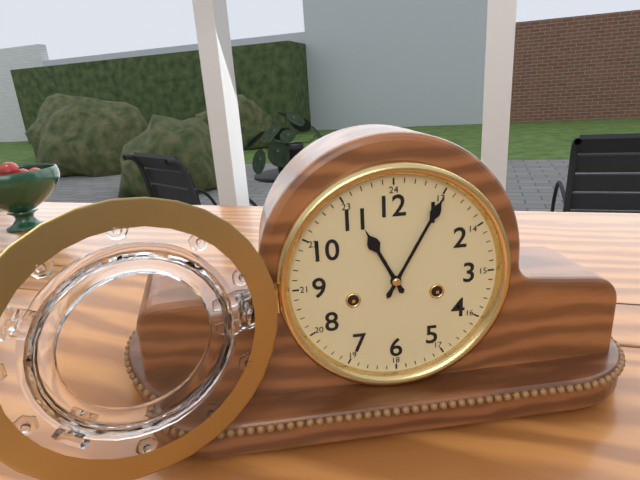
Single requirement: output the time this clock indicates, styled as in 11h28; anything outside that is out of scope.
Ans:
11h05
